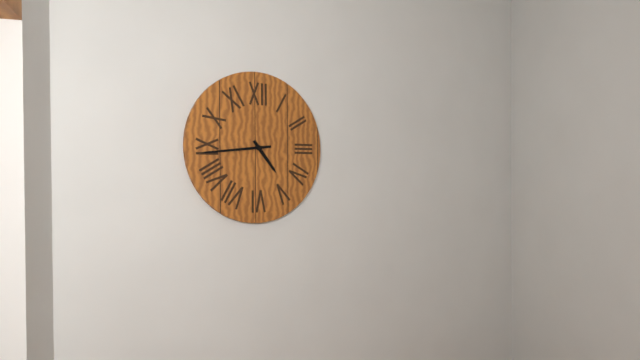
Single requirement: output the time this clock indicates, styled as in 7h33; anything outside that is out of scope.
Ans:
4h44
